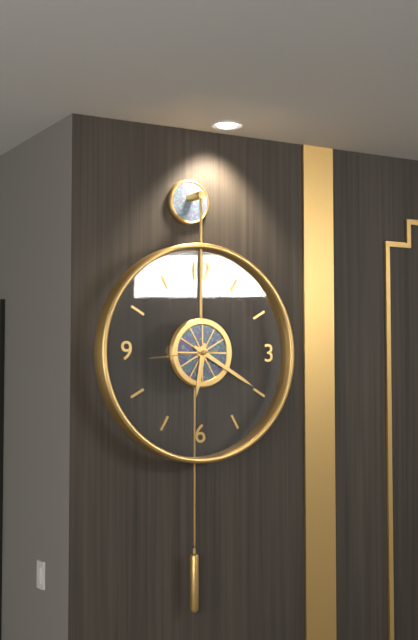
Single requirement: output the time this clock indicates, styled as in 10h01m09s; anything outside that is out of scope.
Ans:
6h20m44s
